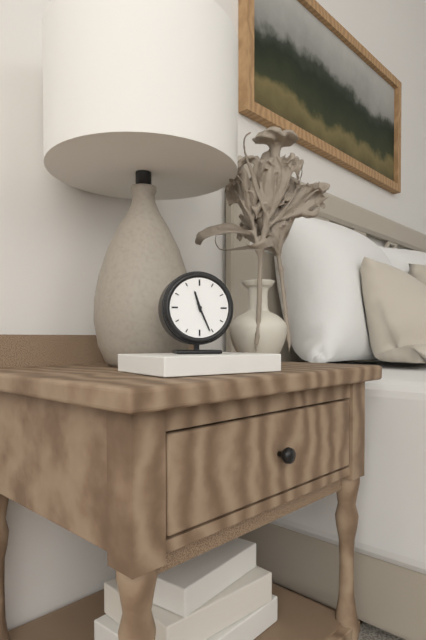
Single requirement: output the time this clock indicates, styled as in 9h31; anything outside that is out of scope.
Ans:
11h26
